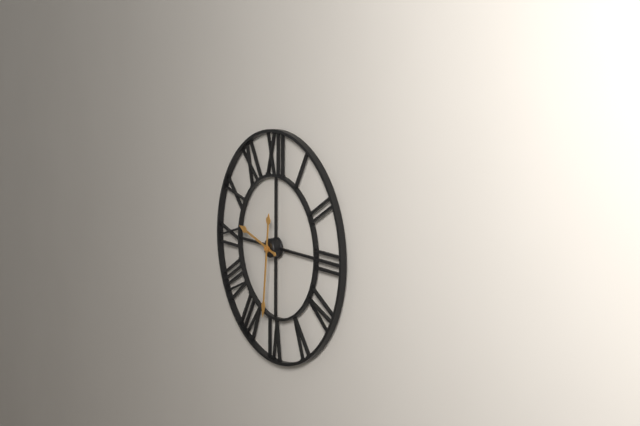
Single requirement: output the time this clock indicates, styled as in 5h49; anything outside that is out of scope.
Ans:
9h31
